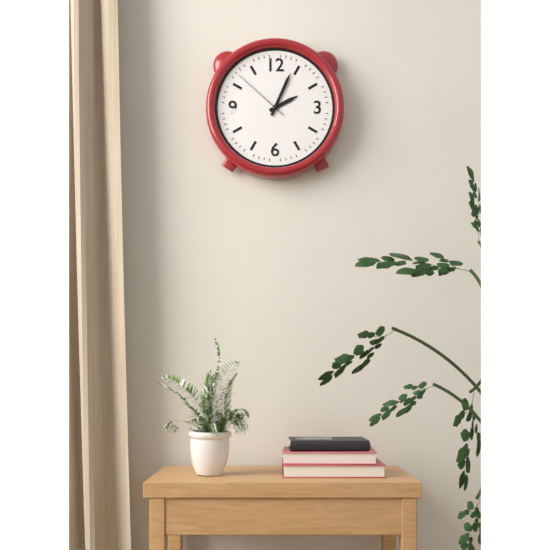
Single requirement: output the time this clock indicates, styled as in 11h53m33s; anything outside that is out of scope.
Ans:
2h04m52s
